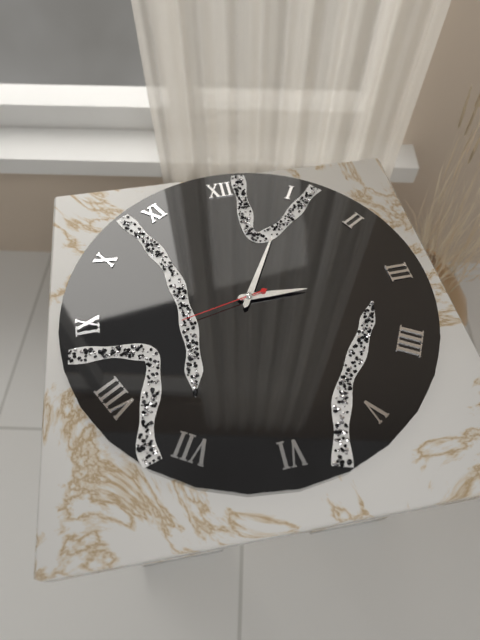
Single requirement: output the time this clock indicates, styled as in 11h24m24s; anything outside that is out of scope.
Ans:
3h05m43s
